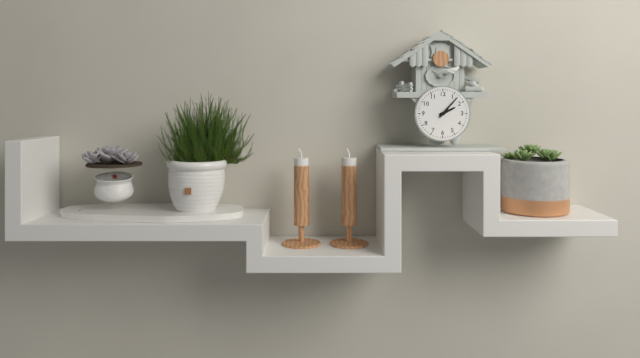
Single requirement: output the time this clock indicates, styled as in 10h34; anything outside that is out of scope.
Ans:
2h07
